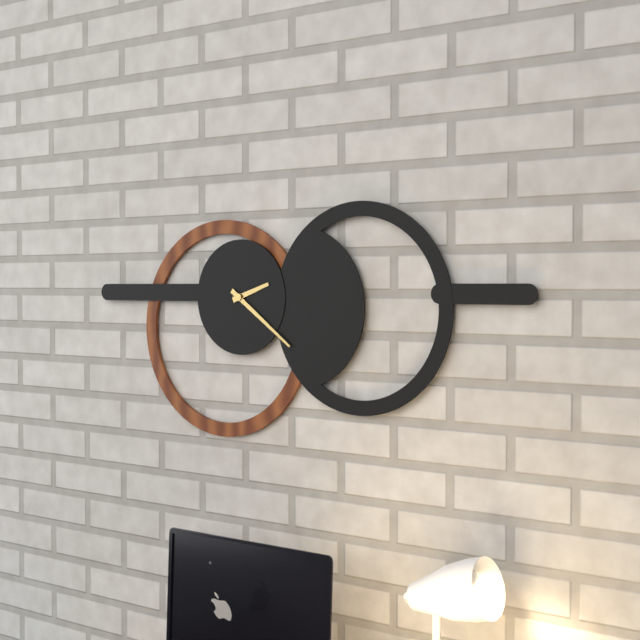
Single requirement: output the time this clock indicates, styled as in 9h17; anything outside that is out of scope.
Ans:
2h21
